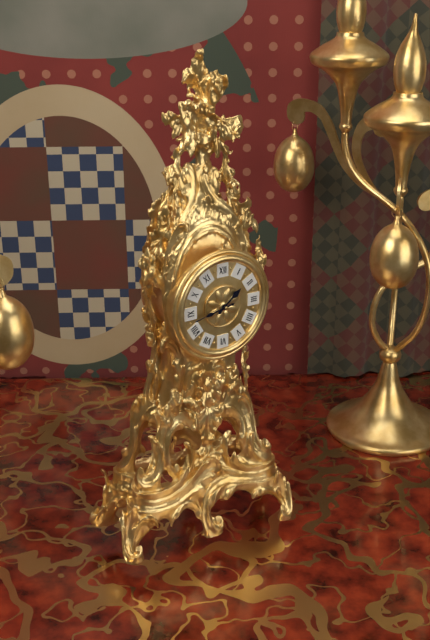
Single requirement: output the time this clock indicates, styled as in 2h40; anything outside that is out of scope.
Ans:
1h43
